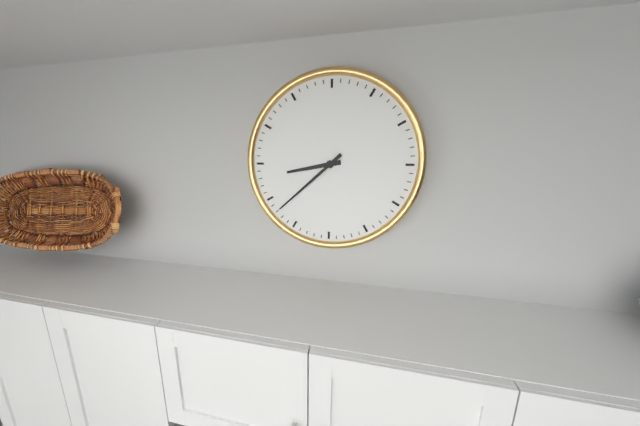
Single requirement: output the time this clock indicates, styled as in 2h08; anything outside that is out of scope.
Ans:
8h38
